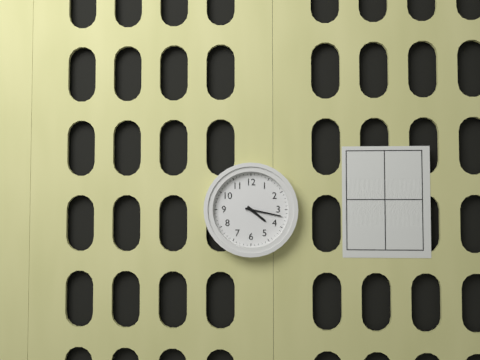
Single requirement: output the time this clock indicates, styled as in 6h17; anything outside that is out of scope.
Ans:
4h17
